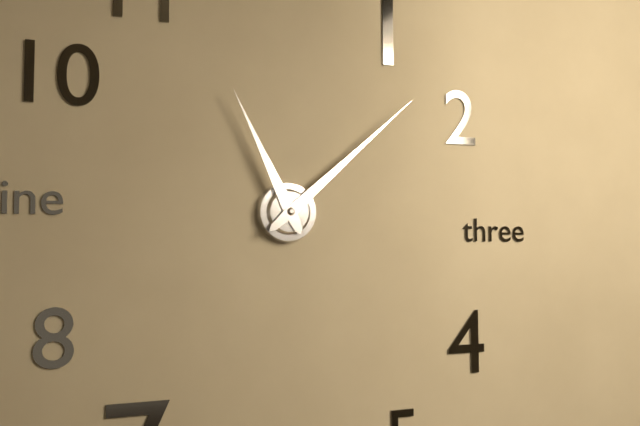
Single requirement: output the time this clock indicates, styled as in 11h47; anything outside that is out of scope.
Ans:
11h08
